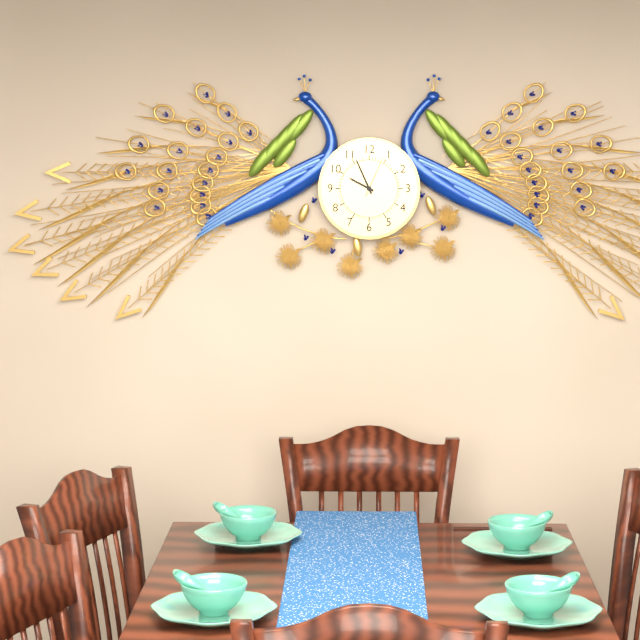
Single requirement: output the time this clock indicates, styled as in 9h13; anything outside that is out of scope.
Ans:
9h56
